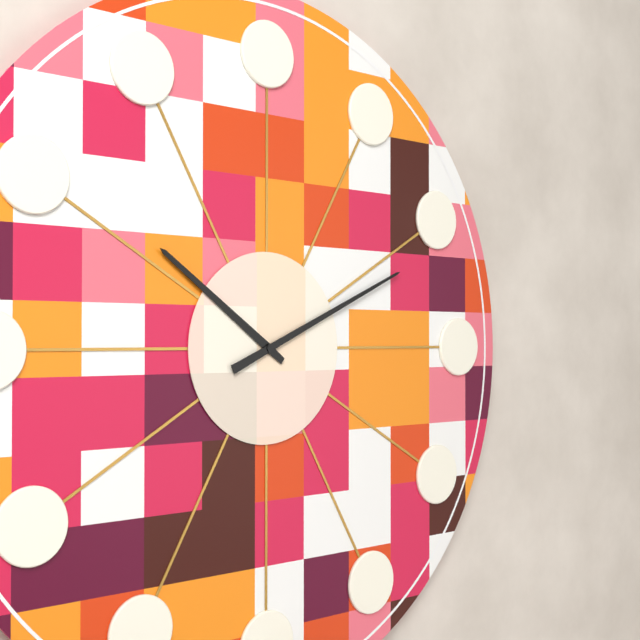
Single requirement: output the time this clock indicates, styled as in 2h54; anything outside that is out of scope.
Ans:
10h11
